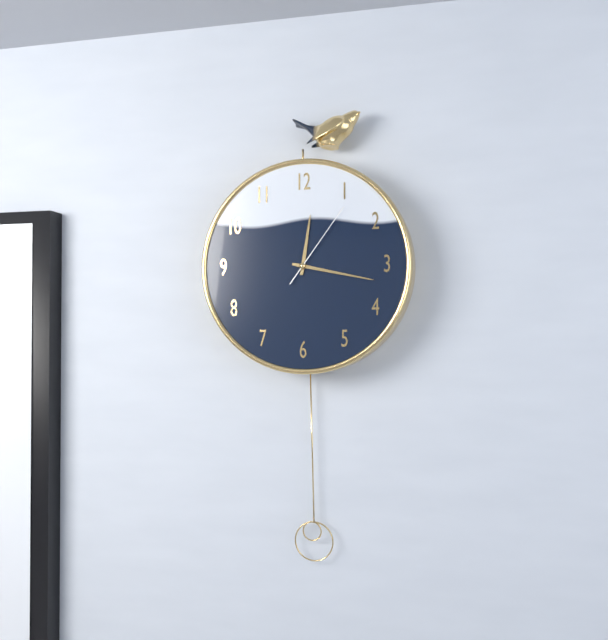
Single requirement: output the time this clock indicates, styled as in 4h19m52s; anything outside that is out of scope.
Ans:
12h17m06s
